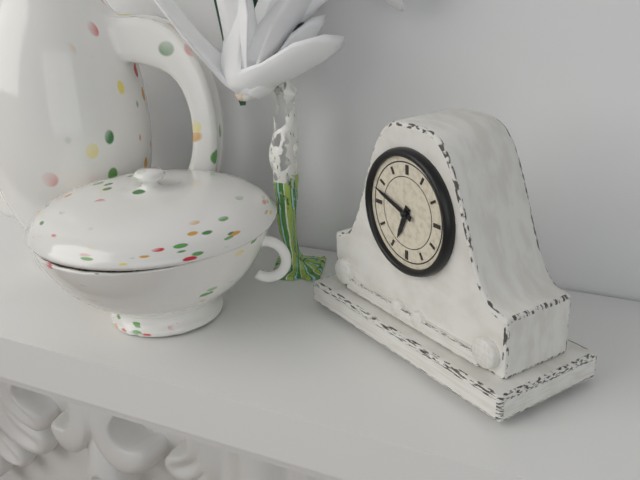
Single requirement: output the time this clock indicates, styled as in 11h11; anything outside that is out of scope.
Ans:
6h48
